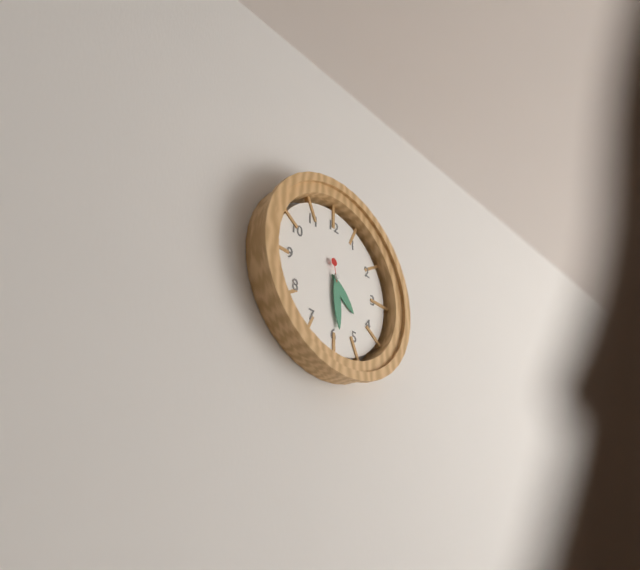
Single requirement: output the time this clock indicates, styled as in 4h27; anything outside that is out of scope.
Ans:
4h29
